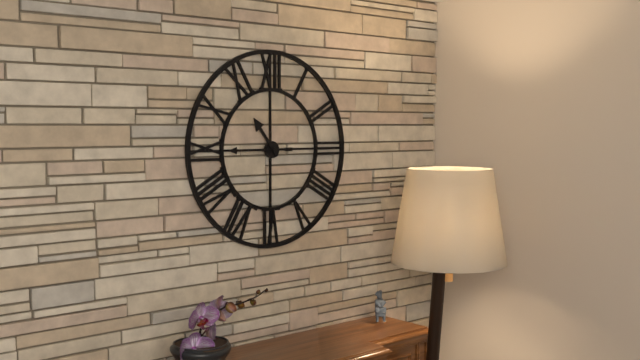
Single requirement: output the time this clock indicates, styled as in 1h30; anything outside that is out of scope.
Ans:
10h45
